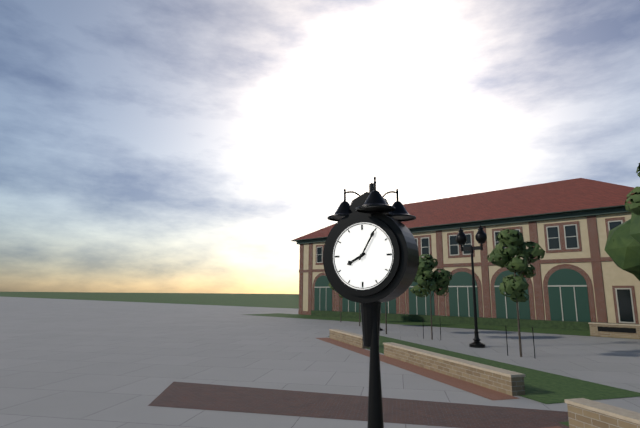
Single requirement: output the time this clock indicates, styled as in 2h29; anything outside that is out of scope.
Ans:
8h05
